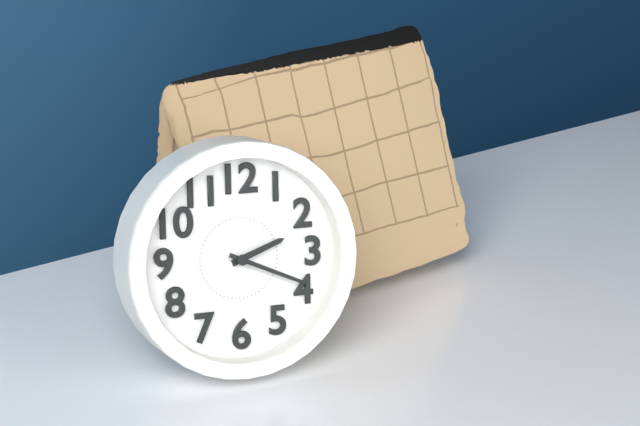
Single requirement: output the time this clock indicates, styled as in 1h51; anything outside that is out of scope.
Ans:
2h19
